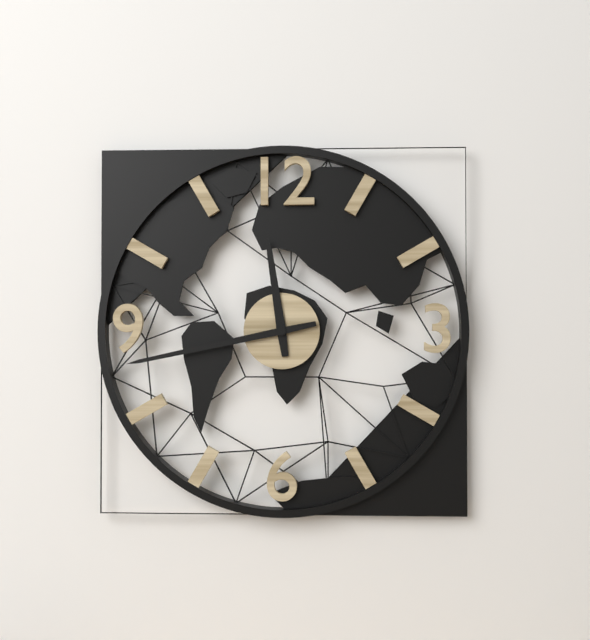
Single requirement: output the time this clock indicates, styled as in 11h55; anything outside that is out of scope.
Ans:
11h43
